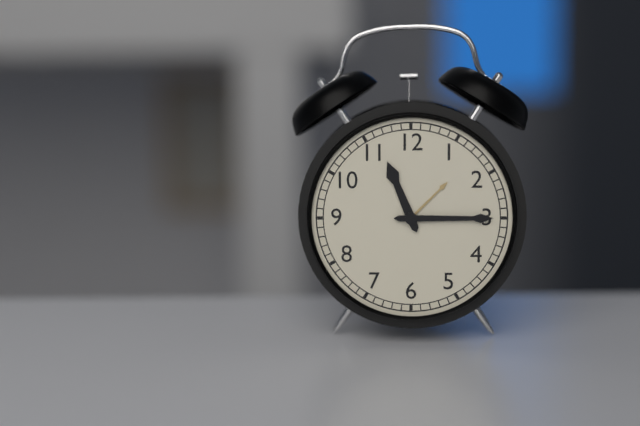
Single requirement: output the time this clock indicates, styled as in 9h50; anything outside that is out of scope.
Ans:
11h15
